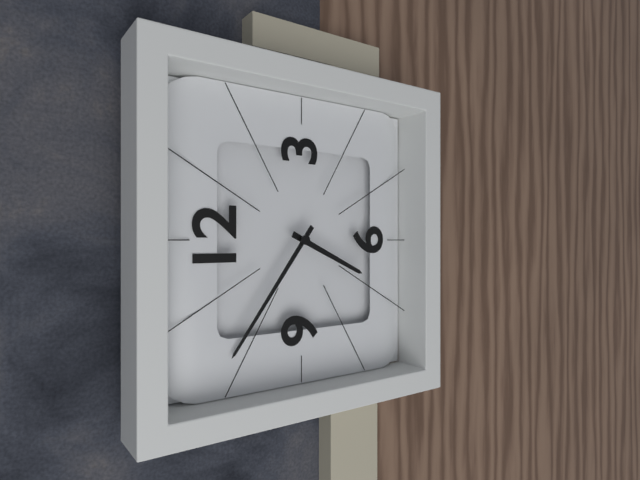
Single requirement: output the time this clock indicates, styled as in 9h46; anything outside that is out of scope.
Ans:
6h51
